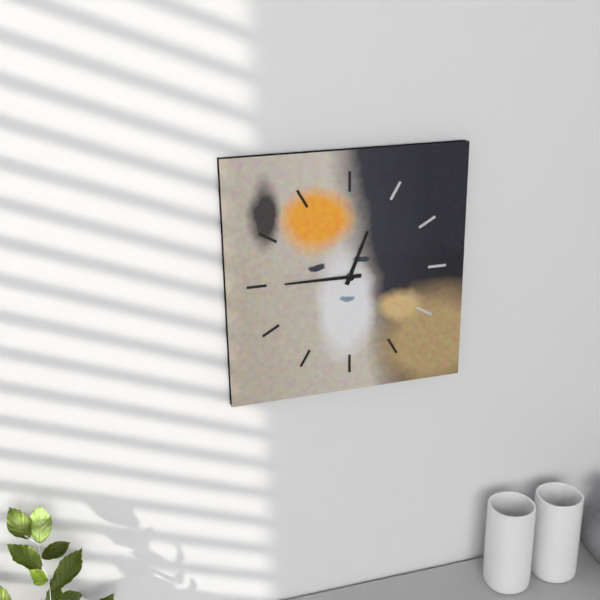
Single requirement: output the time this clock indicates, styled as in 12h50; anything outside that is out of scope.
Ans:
12h45
